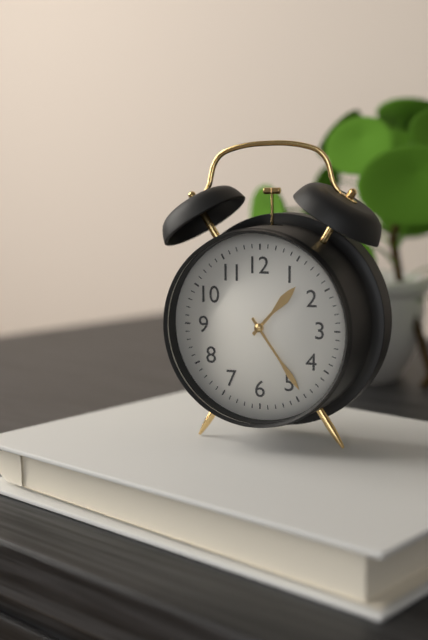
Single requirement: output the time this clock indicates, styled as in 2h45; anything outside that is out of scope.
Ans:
1h24
